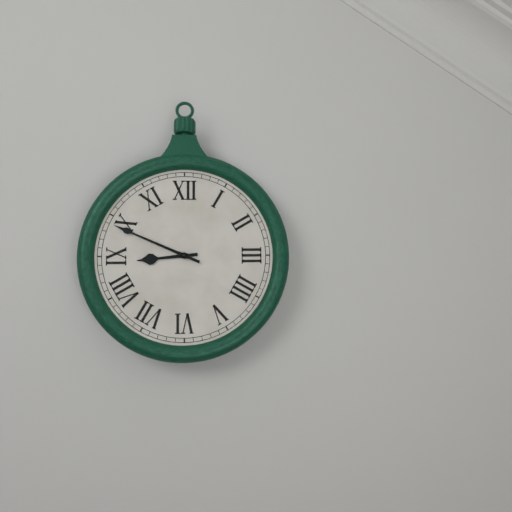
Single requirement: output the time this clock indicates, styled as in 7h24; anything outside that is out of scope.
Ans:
8h49
